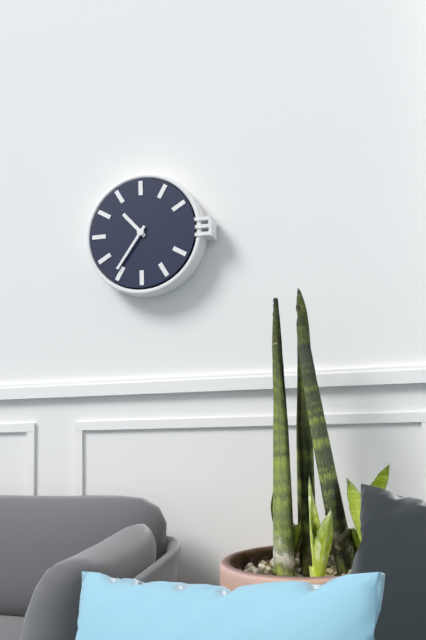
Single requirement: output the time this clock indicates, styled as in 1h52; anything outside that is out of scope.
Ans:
10h36
